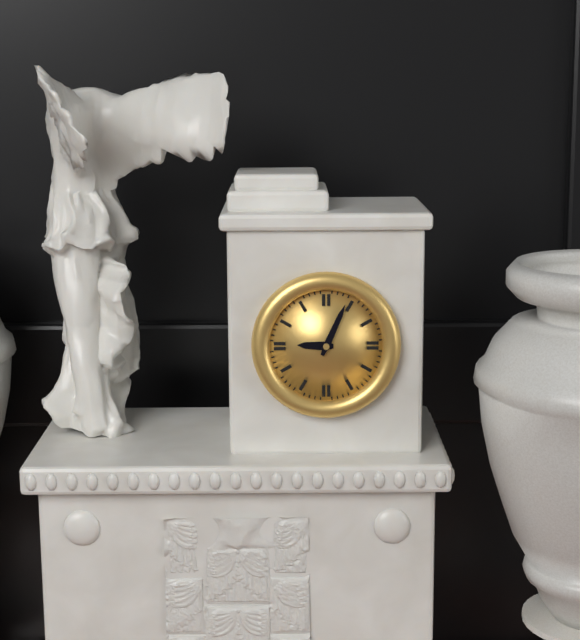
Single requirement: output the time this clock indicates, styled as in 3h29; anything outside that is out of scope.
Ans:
9h04
